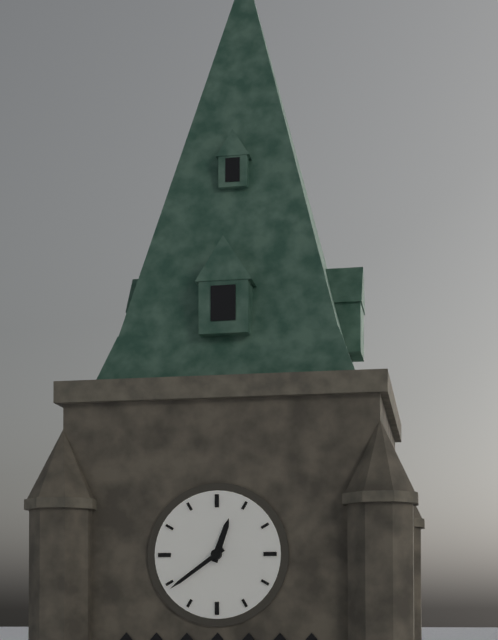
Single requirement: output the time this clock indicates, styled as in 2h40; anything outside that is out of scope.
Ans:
12h39
